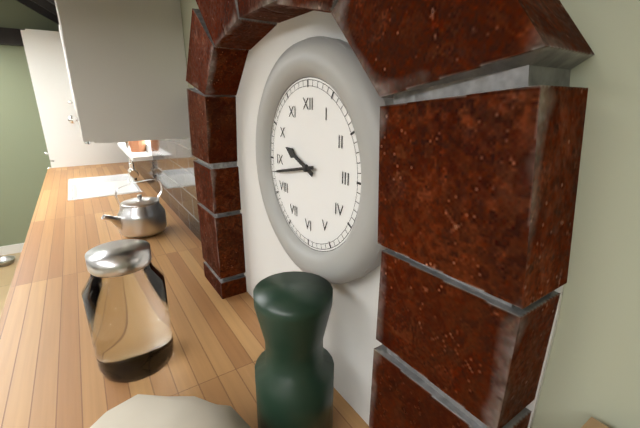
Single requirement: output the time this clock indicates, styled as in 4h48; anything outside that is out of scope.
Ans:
9h43
